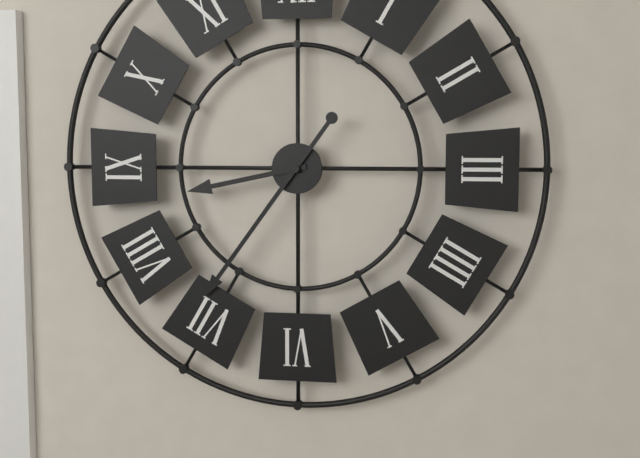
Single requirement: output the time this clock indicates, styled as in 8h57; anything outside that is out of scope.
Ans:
8h36
